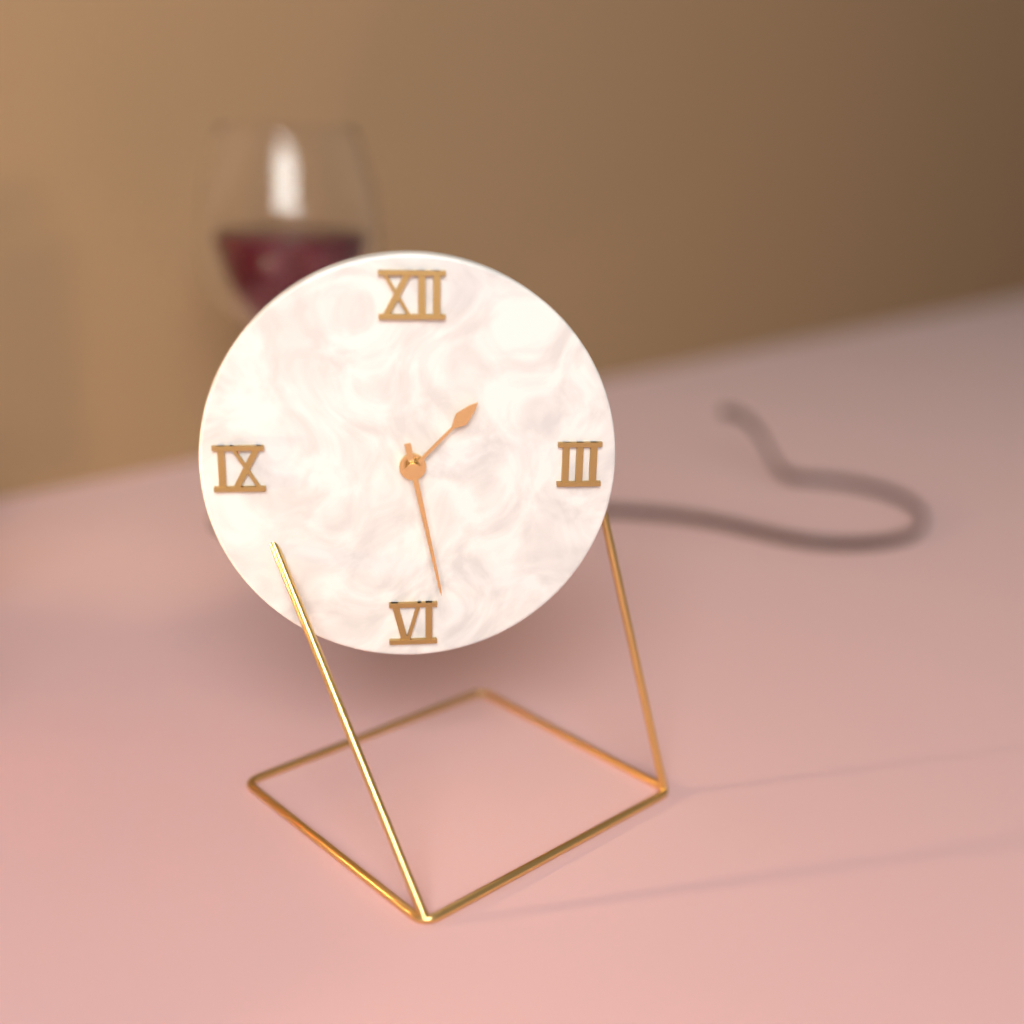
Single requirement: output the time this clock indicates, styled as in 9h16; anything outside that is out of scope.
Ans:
1h28
